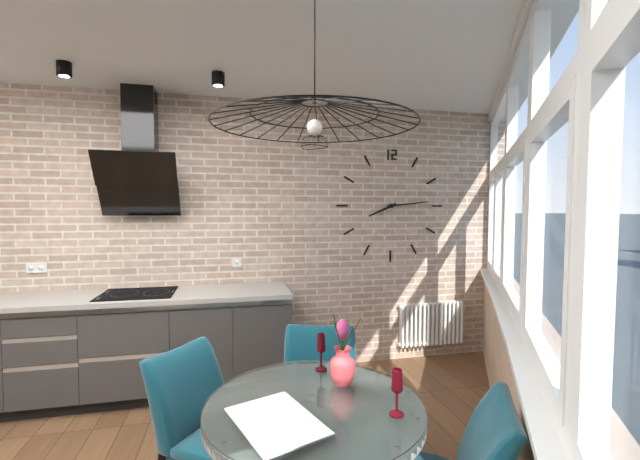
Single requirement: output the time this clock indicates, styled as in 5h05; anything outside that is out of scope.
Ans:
8h14
